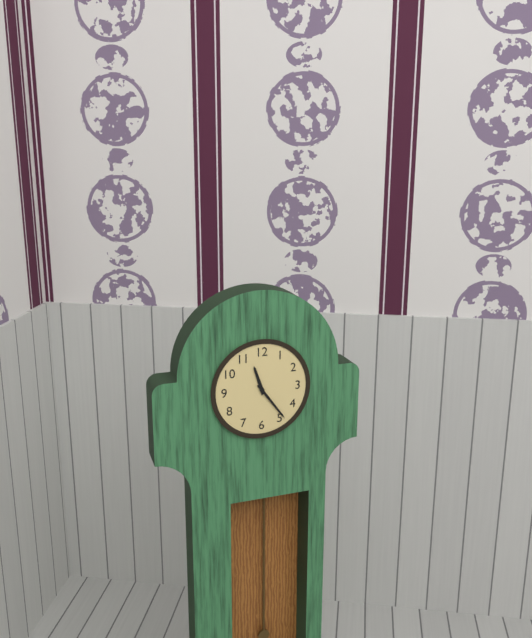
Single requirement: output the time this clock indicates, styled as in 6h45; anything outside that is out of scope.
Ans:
11h24
